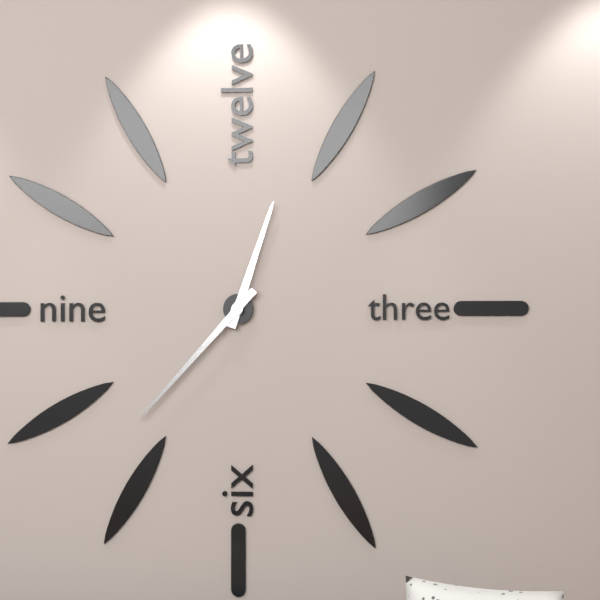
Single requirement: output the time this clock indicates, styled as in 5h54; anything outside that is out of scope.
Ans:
12h37
